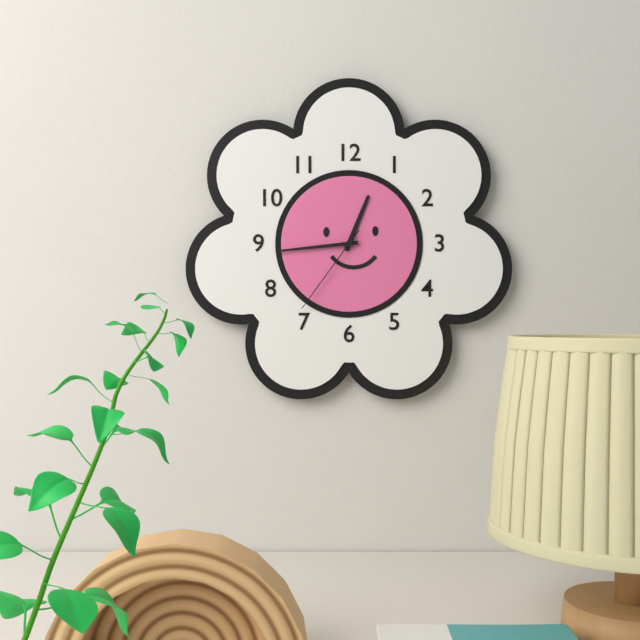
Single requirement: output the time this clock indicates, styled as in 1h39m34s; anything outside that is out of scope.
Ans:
12h44m36s
